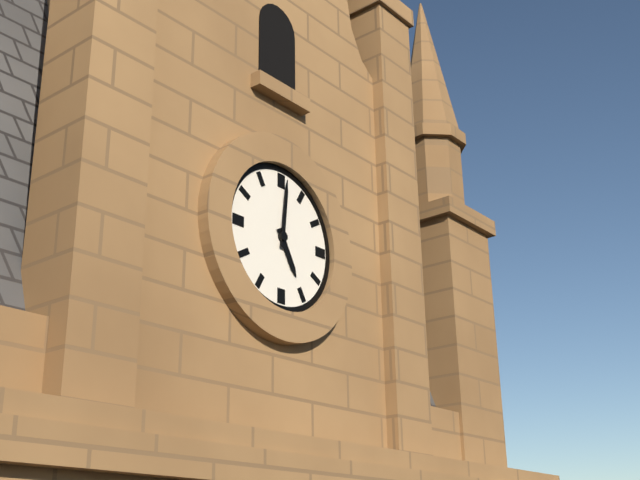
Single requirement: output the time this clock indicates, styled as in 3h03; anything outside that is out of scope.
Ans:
5h01
